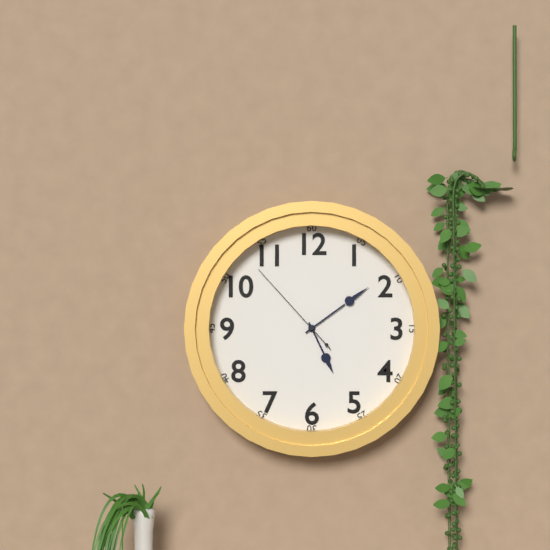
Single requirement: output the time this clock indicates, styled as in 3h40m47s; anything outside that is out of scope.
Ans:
5h09m53s
